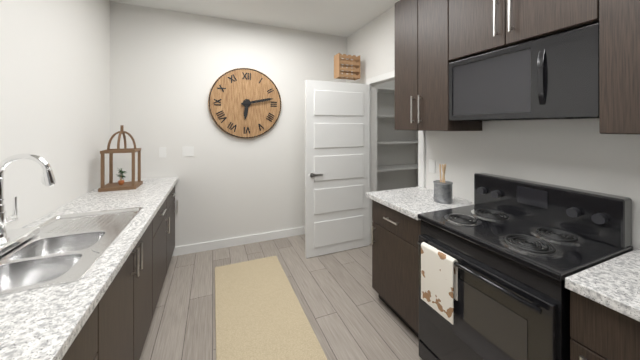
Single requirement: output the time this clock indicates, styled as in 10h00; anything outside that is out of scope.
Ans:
6h13
